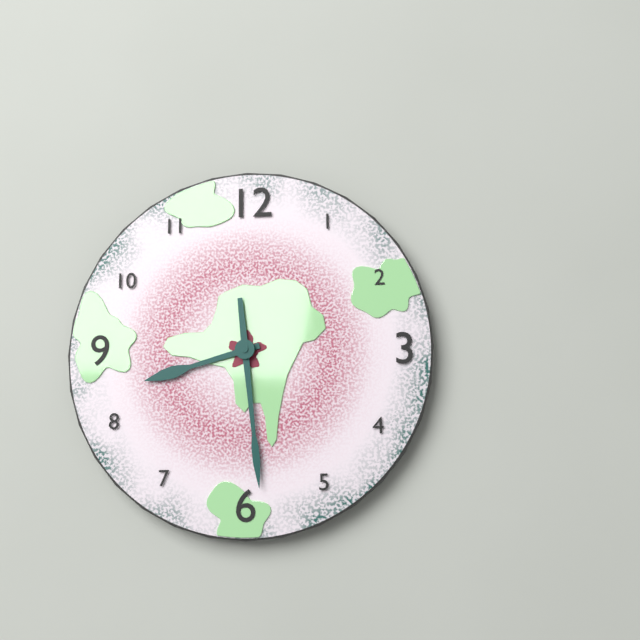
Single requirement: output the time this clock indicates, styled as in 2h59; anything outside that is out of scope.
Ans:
8h29
